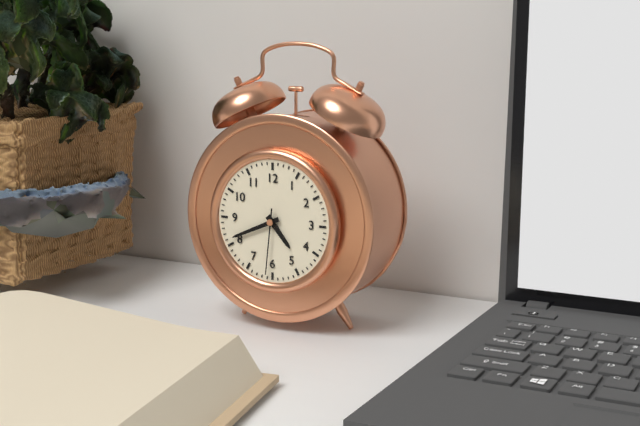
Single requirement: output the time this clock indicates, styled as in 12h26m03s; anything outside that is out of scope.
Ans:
4h41m31s
